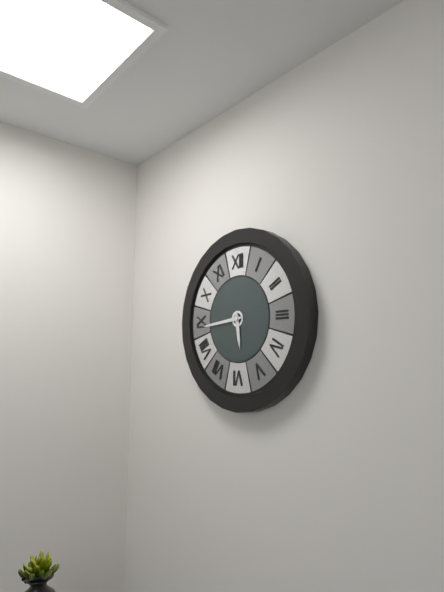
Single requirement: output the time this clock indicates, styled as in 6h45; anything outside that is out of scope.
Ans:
5h44
